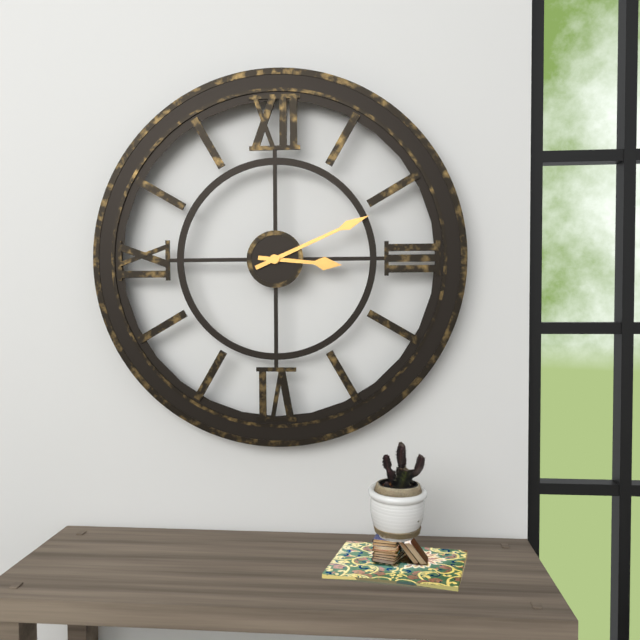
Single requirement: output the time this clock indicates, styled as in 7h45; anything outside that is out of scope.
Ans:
3h11
